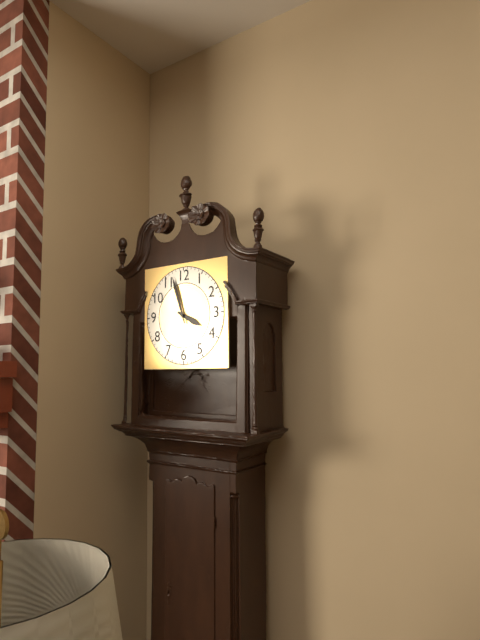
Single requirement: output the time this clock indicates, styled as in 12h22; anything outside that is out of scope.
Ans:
3h57
